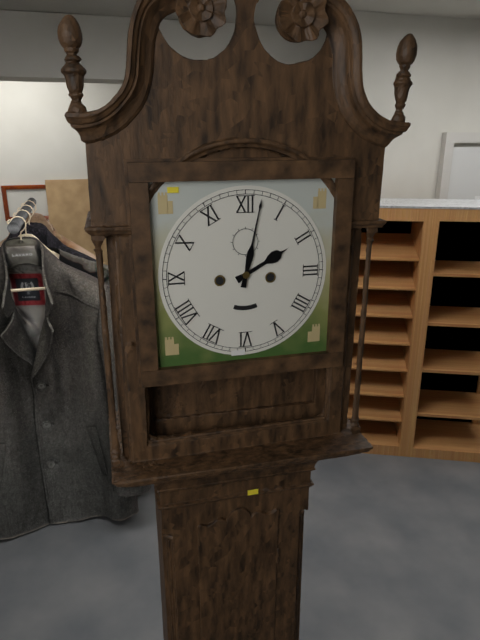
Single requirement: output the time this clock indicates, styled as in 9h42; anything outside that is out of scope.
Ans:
2h02
